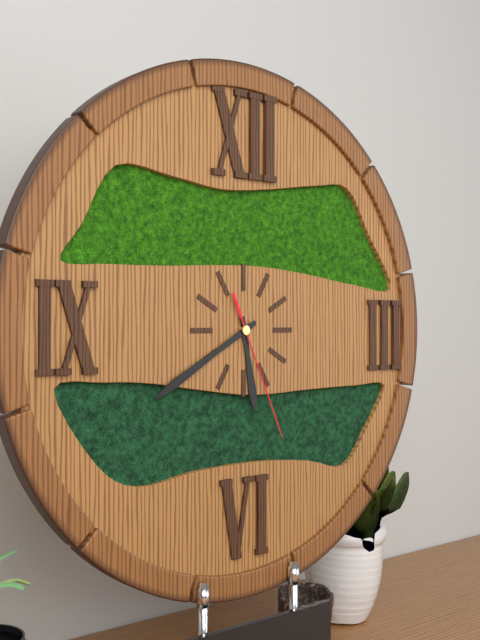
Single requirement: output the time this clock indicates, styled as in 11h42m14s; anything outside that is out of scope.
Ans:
5h40m26s
